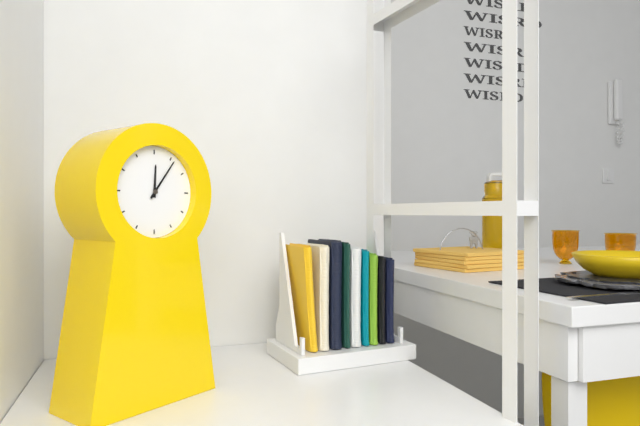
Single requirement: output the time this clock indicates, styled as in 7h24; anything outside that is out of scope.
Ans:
12h06
